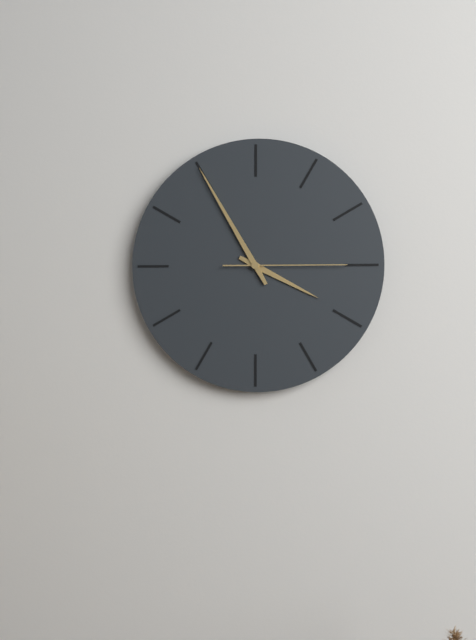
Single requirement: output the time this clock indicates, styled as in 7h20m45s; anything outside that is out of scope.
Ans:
3h55m15s
